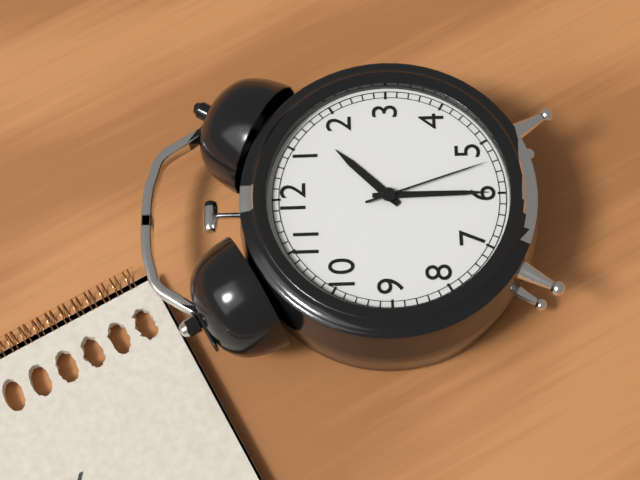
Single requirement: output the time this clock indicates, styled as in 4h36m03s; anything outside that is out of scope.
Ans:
1h30m27s
